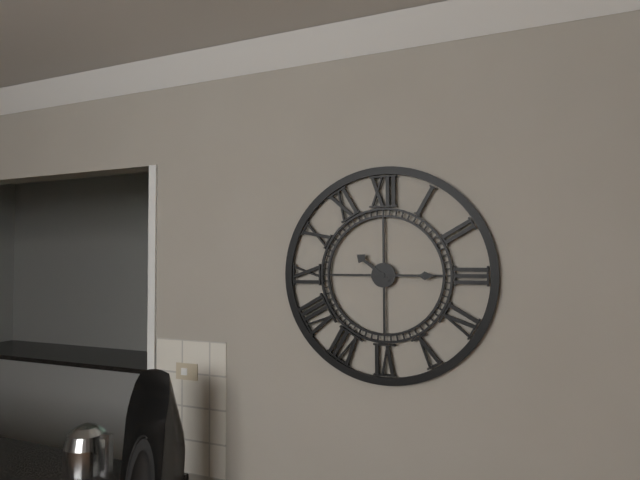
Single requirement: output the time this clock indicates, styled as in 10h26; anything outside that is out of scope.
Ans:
10h15
